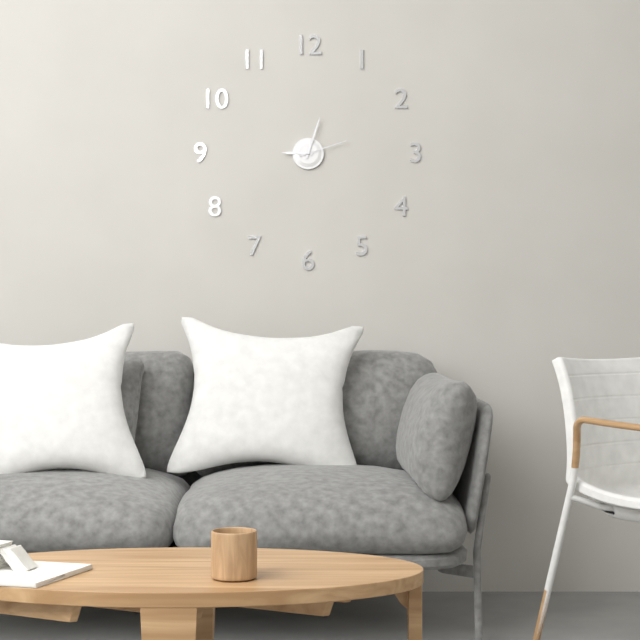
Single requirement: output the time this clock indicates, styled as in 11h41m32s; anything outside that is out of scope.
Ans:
9h03m12s
